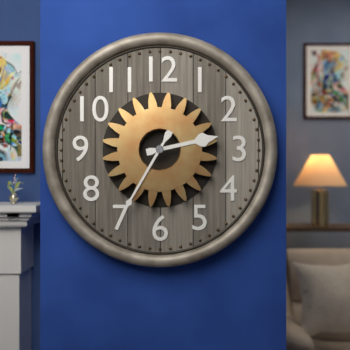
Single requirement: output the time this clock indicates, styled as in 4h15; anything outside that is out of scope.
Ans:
2h35
